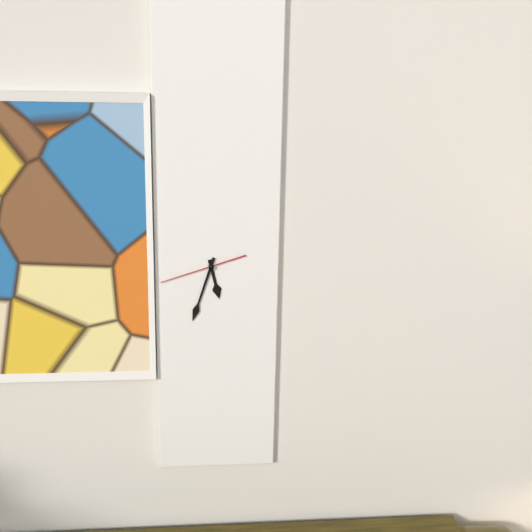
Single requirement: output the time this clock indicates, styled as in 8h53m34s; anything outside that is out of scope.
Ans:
5h33m42s
